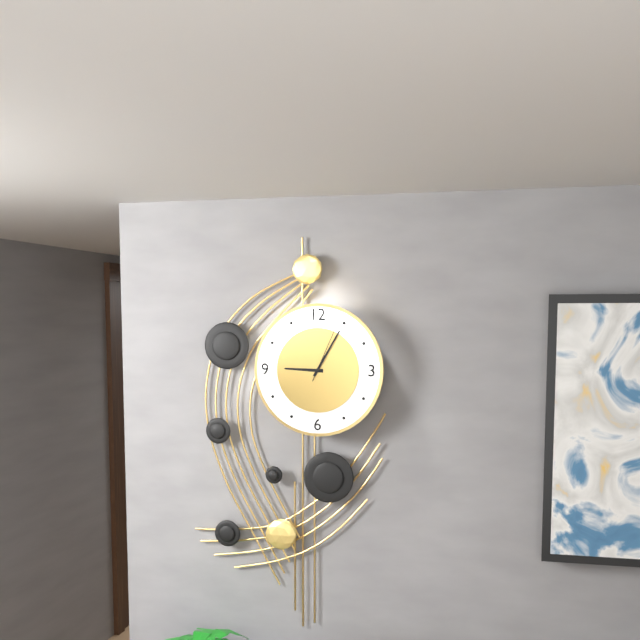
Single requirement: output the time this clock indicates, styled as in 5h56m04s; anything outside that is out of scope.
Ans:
9h05m04s
